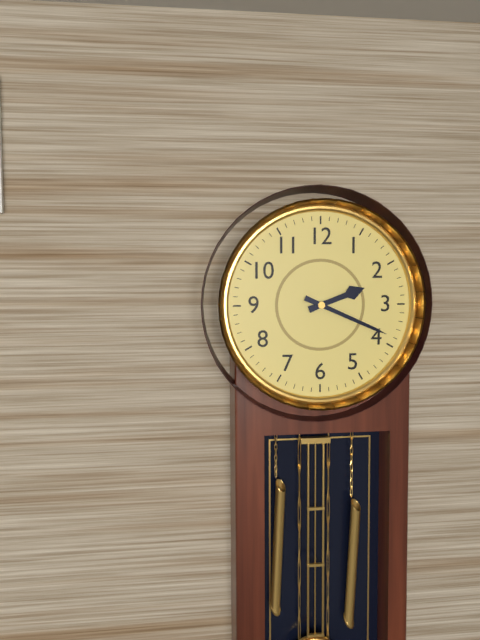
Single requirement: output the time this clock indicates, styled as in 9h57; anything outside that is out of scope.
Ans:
2h19
